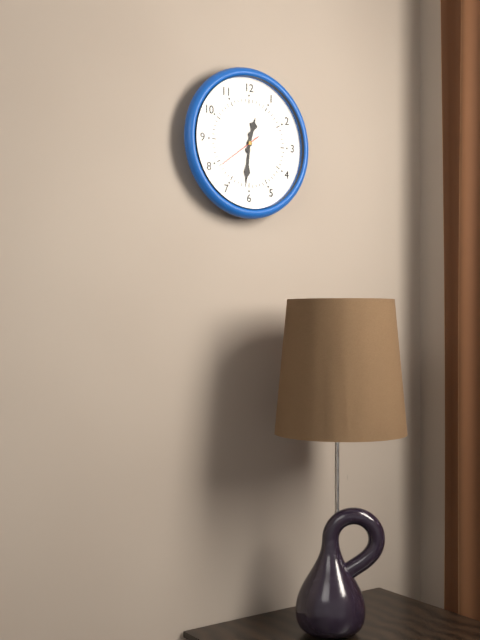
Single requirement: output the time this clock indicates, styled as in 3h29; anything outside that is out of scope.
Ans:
12h31
